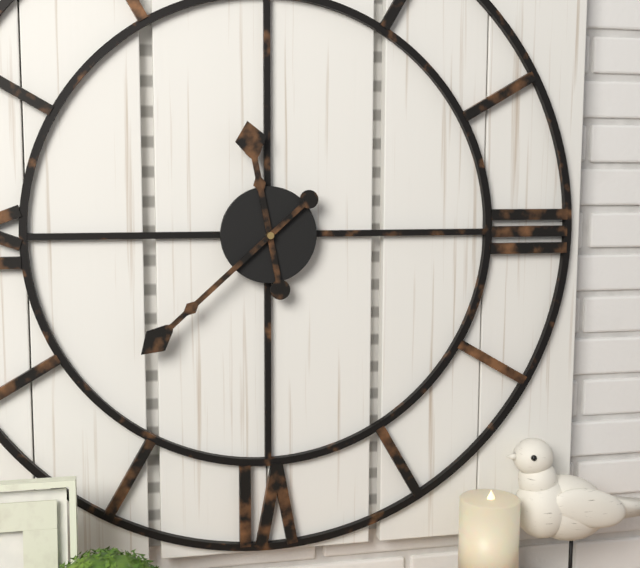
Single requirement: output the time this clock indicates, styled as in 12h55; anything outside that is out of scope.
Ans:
11h38
